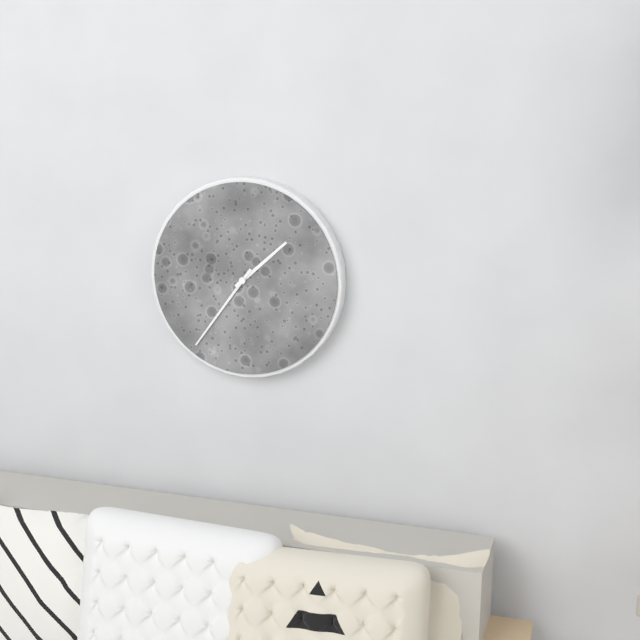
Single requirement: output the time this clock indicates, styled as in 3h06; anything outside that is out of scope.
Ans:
1h36
